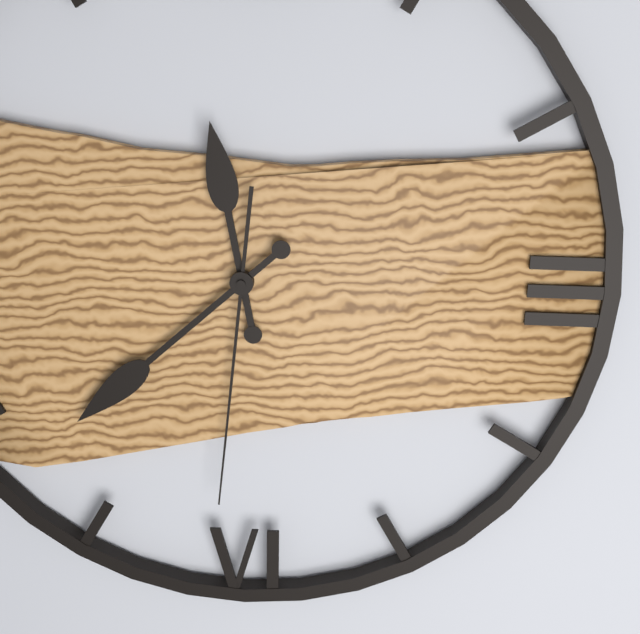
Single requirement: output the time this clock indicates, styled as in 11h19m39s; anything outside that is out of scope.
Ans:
11h38m31s
